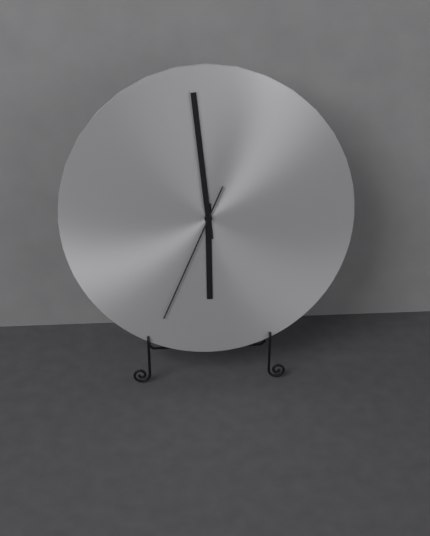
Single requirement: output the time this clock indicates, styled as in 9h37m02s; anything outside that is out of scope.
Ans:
5h59m34s
